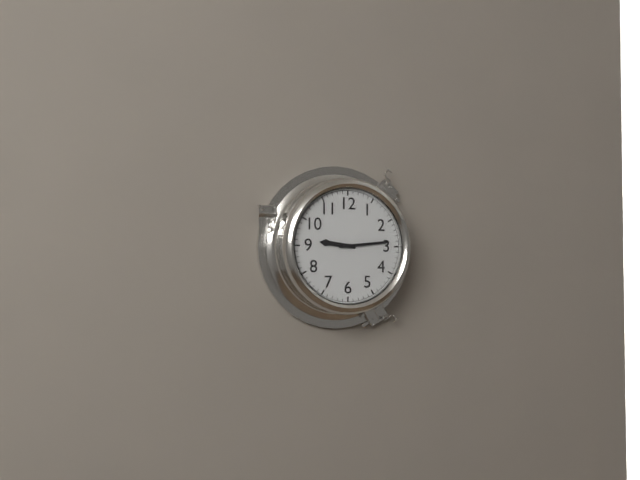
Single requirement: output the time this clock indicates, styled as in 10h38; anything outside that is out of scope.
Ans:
9h14
